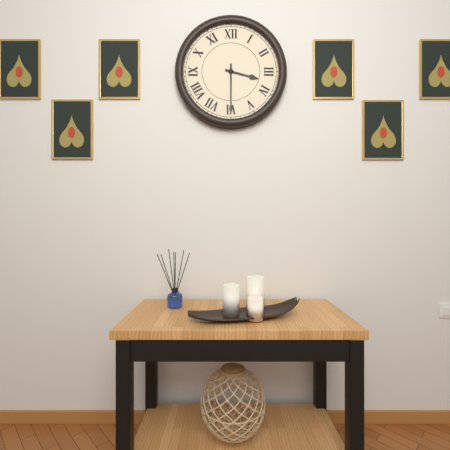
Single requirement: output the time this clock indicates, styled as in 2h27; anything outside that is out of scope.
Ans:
3h30
